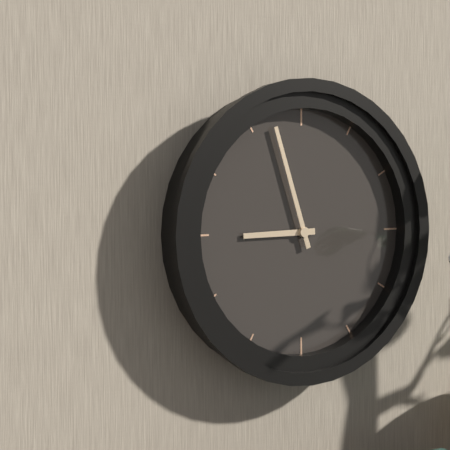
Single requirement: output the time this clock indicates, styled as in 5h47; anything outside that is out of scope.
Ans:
8h57
